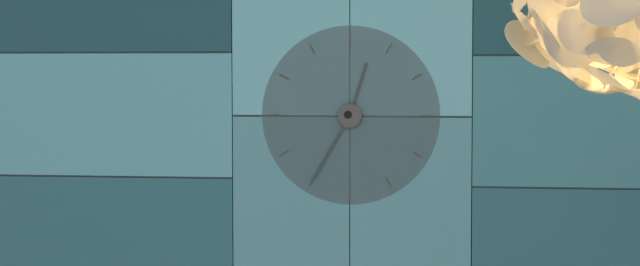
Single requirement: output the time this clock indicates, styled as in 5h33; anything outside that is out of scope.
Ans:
12h35
